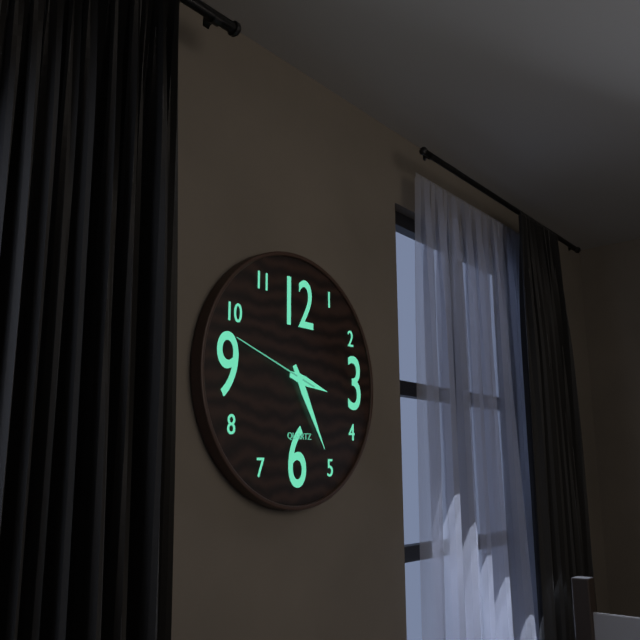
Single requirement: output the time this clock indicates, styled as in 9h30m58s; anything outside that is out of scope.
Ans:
3h25m48s
